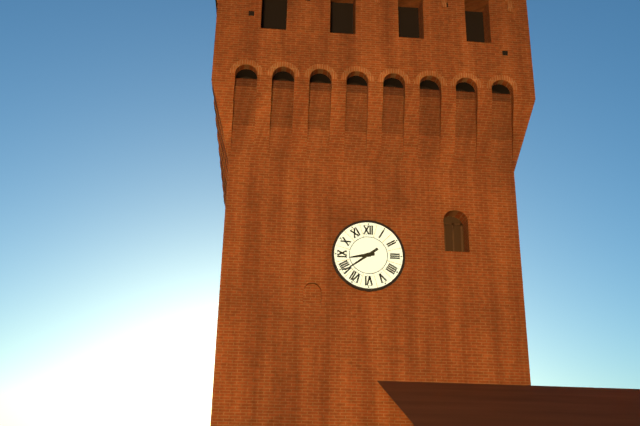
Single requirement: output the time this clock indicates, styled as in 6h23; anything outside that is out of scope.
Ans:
8h39
